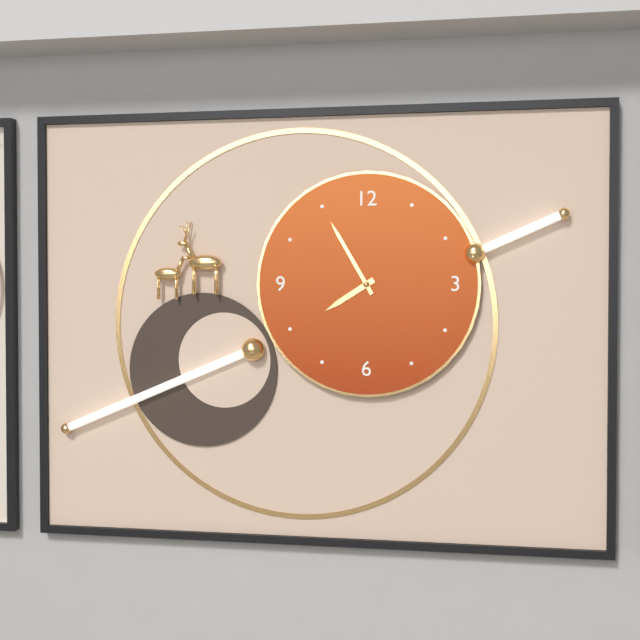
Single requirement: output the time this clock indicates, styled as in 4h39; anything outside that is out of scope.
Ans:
7h55
